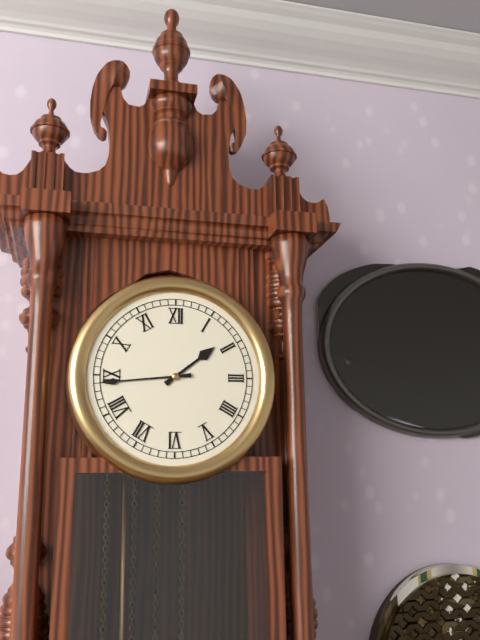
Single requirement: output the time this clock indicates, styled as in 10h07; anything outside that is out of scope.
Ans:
1h44
